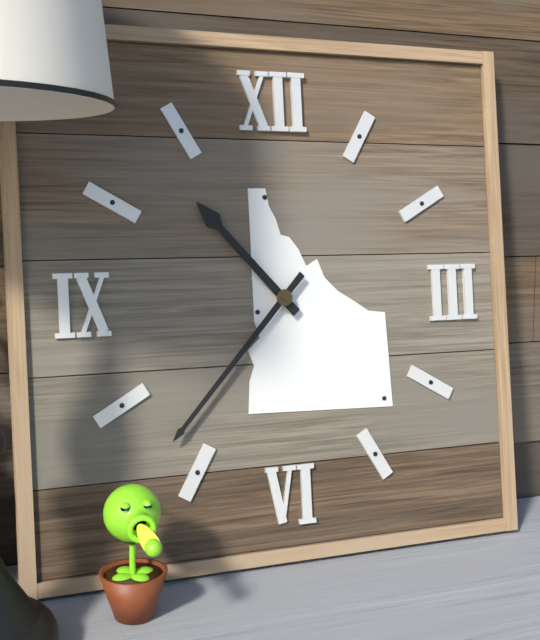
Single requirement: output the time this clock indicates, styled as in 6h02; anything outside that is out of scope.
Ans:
10h37
